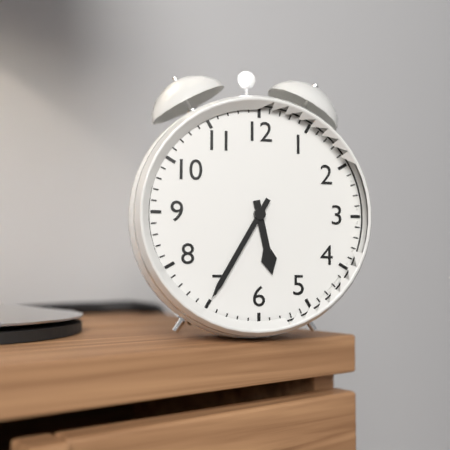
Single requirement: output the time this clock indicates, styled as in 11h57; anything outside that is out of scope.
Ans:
5h35
